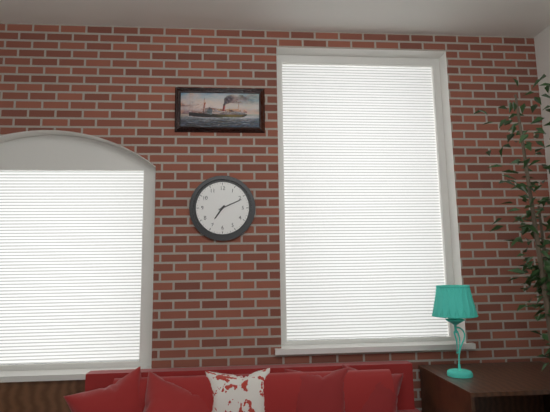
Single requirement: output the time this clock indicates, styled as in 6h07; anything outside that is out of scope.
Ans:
7h11
